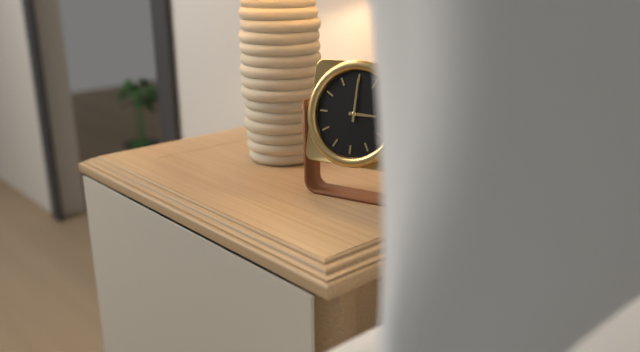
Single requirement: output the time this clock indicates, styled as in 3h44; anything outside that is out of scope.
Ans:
3h00
